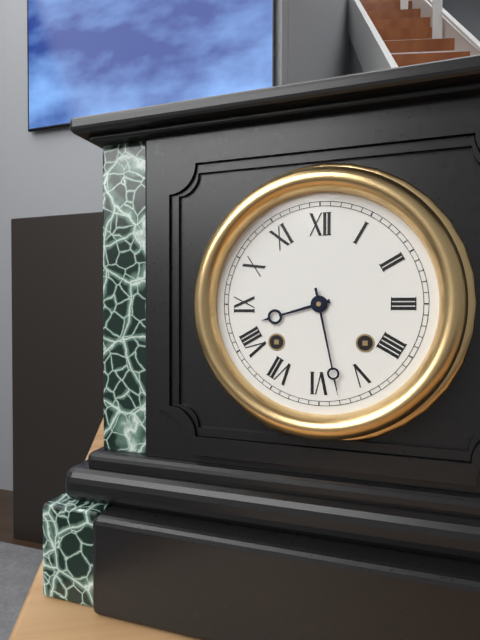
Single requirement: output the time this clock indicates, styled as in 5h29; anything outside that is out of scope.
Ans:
8h28
